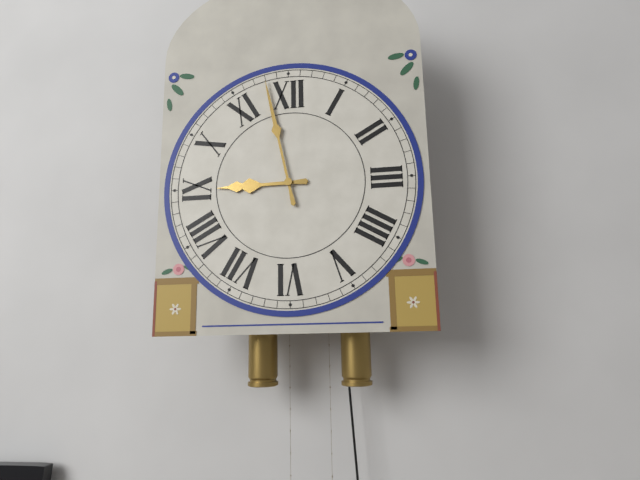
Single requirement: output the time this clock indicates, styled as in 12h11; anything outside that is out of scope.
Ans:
8h58
